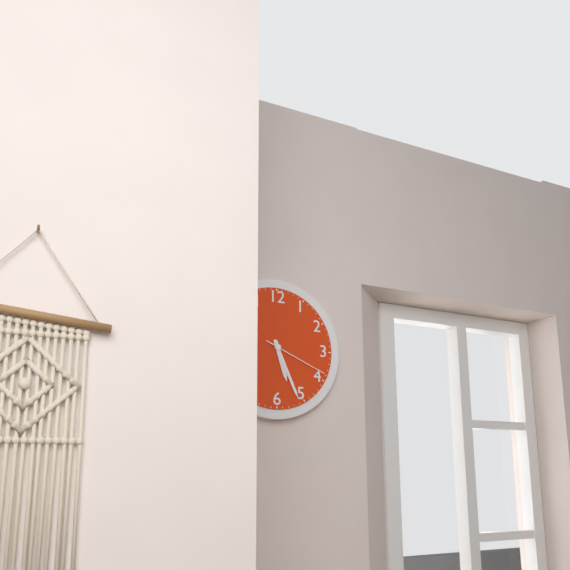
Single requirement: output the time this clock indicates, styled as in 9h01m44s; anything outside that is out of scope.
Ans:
5h26m19s
